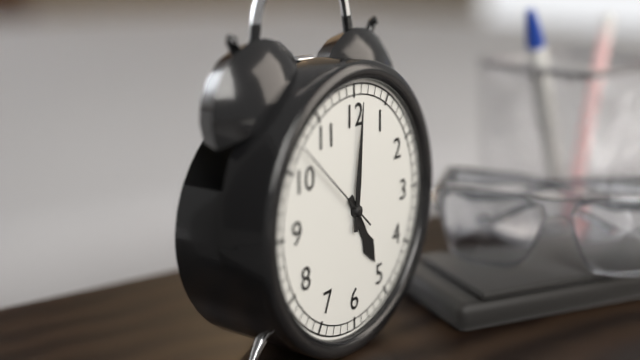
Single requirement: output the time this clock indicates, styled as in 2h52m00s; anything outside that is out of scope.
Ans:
5h01m52s
